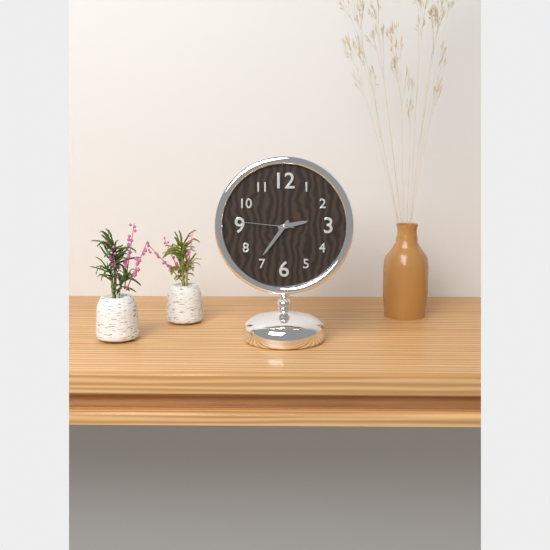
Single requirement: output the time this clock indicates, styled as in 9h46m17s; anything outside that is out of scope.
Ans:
2h36m46s
